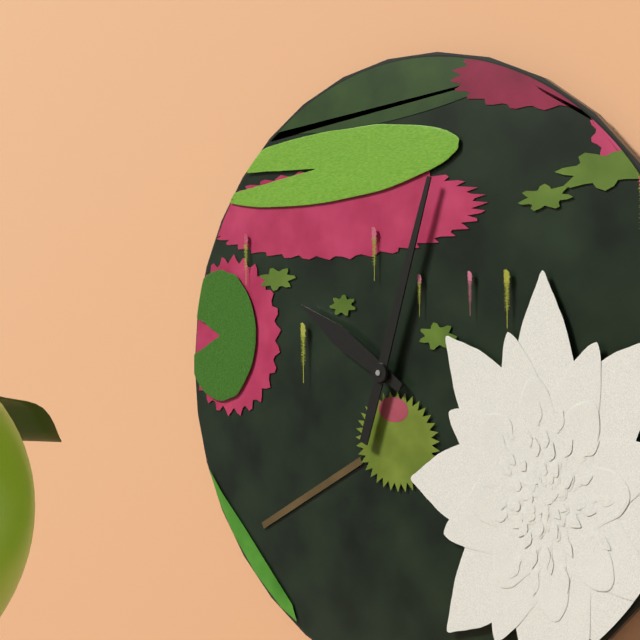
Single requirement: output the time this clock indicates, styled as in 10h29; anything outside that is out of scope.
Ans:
10h03
